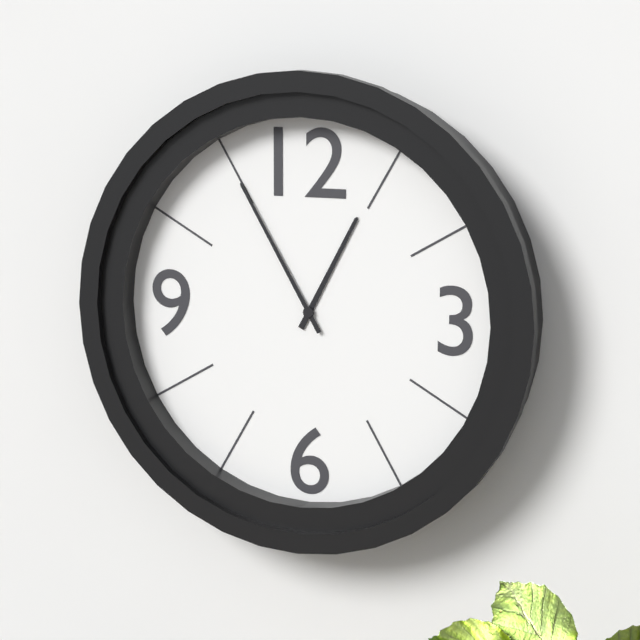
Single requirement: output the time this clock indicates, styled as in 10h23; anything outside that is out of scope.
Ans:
12h55
